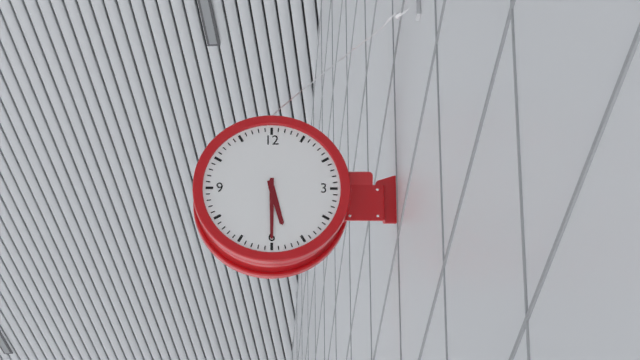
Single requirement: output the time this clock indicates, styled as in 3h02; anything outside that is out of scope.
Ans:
5h30
